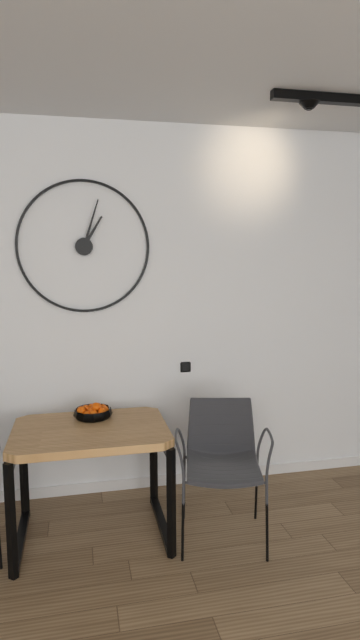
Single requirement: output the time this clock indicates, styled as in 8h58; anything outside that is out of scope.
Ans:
1h03
